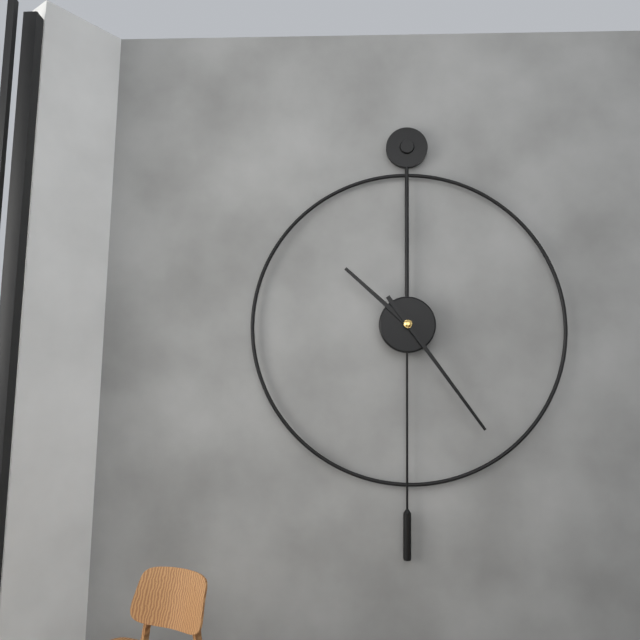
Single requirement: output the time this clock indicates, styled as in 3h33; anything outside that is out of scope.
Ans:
10h24
